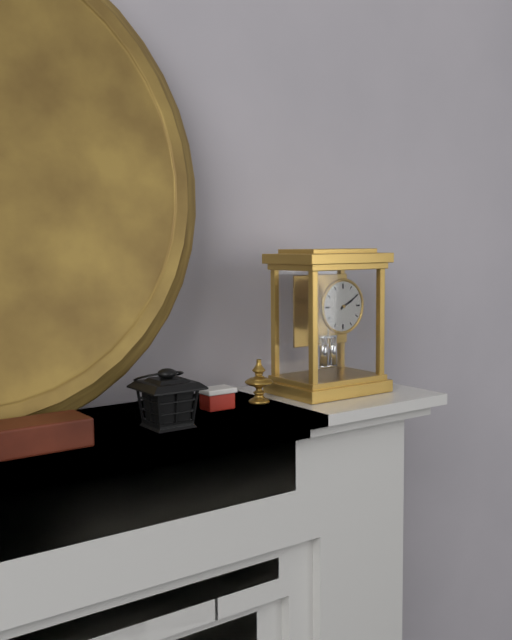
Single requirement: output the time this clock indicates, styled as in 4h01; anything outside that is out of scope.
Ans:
2h10
